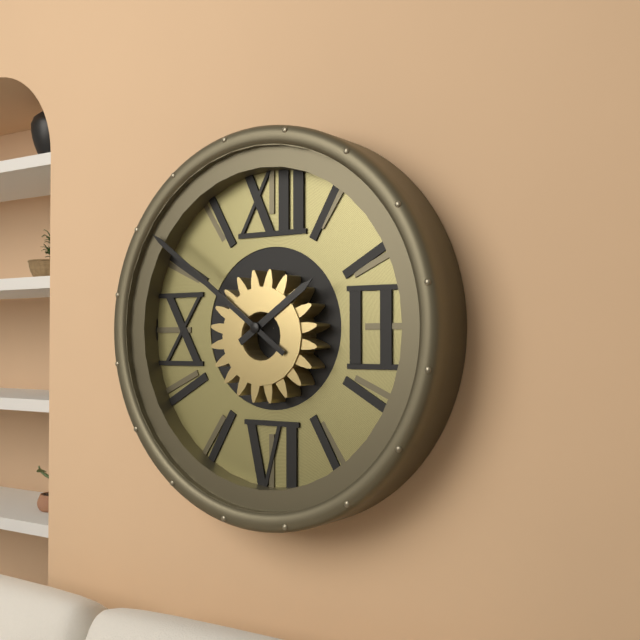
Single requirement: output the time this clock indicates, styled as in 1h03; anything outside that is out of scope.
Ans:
1h51
